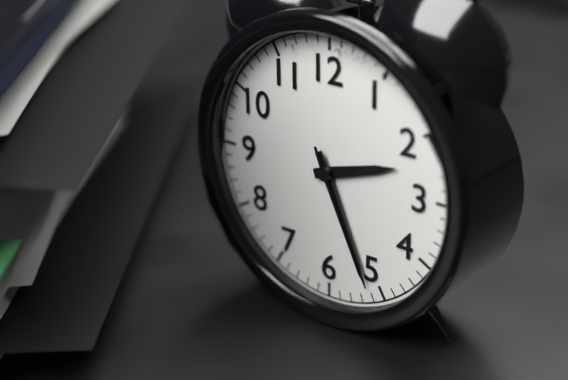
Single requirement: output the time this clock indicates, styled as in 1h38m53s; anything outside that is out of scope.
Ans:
2h26m26s
